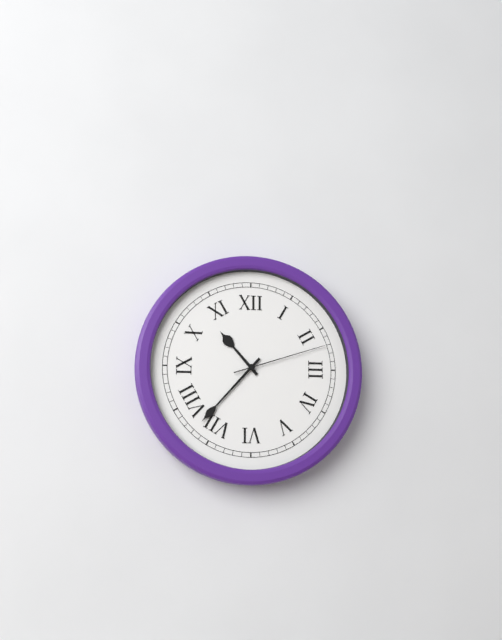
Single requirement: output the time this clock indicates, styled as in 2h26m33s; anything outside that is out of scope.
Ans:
10h37m12s
